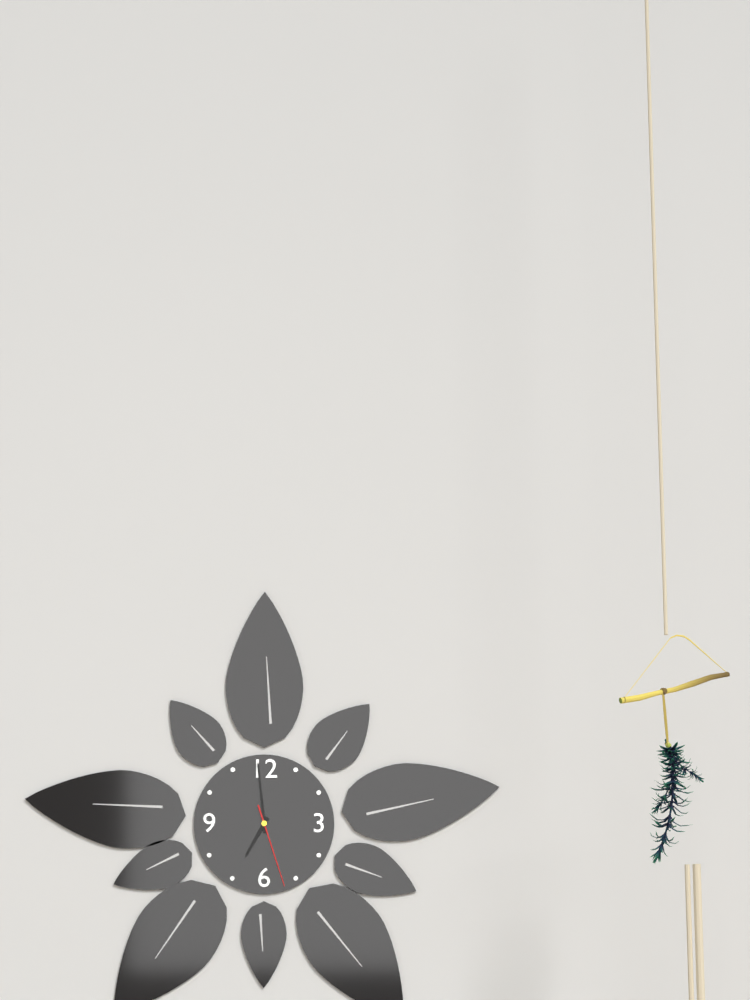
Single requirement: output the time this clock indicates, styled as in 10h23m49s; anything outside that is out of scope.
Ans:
6h59m27s
